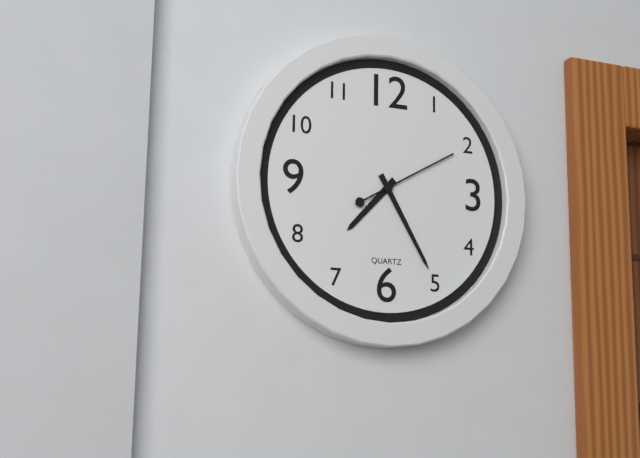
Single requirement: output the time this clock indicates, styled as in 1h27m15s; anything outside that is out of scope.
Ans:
7h25m10s
